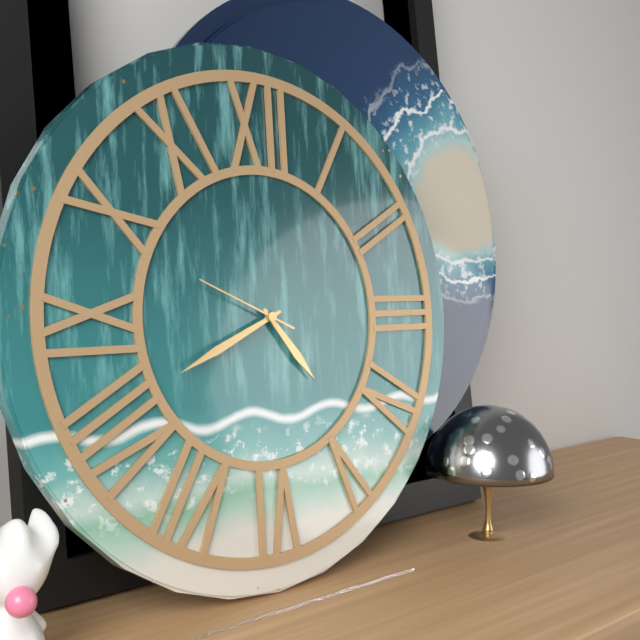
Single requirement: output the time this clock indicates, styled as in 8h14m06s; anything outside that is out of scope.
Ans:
4h41m49s
